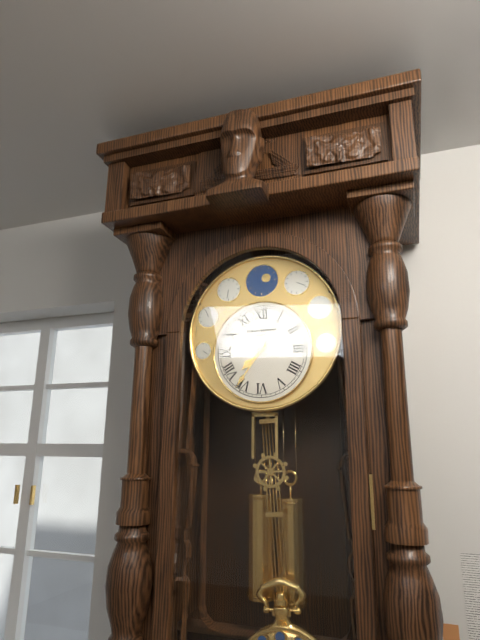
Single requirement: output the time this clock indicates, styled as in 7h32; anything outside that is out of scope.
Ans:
7h36
